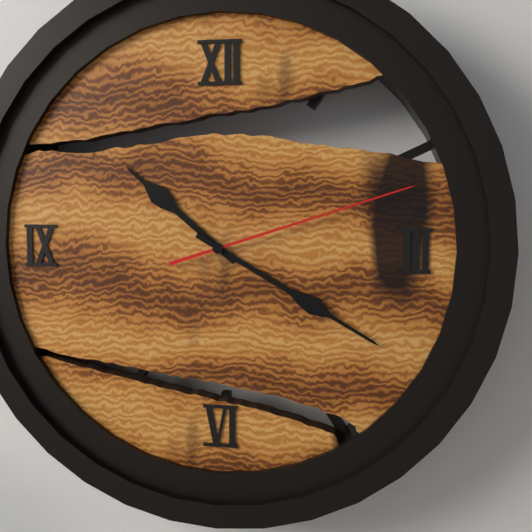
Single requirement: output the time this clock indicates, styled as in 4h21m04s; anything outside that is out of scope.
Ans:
10h20m12s
